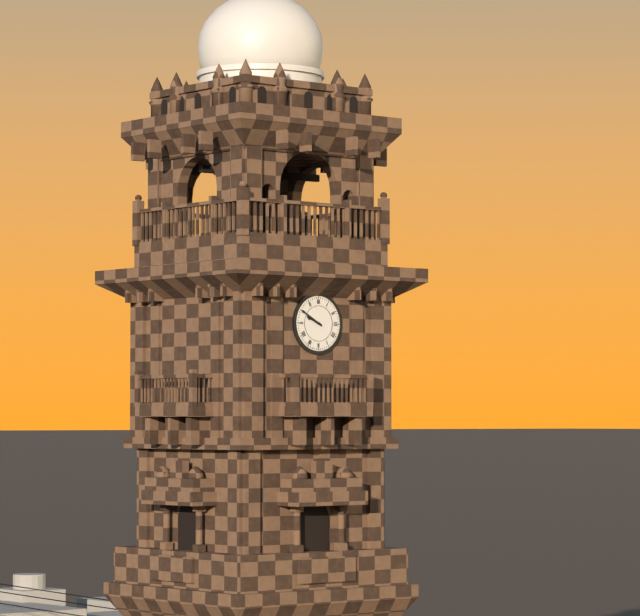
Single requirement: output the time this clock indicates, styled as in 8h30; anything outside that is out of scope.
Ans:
9h50
